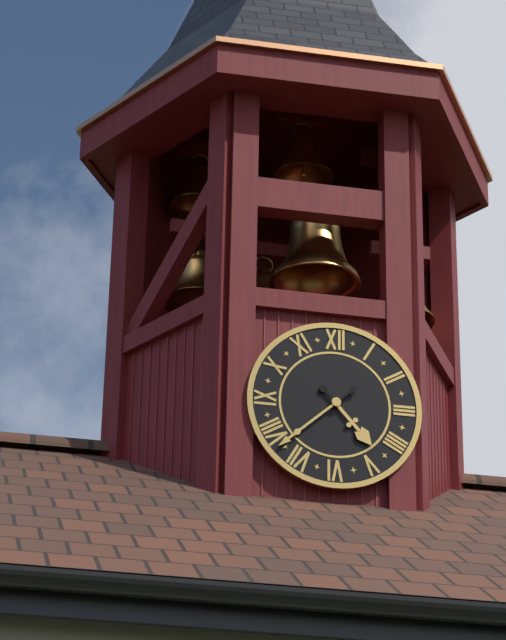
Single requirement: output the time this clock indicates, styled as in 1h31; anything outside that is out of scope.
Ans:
4h38
